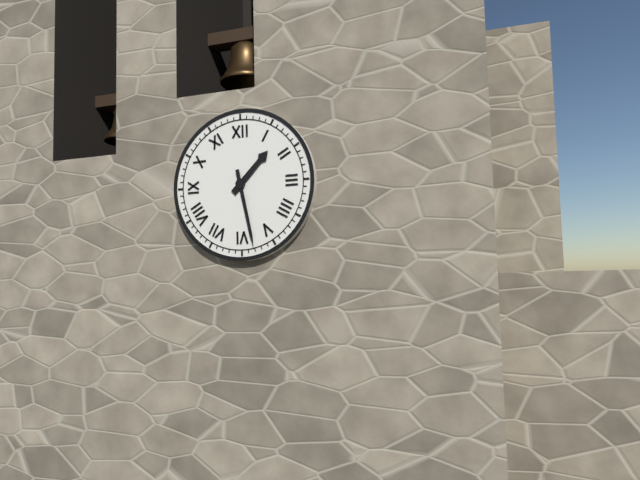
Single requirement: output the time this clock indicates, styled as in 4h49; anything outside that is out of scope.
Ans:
1h28
